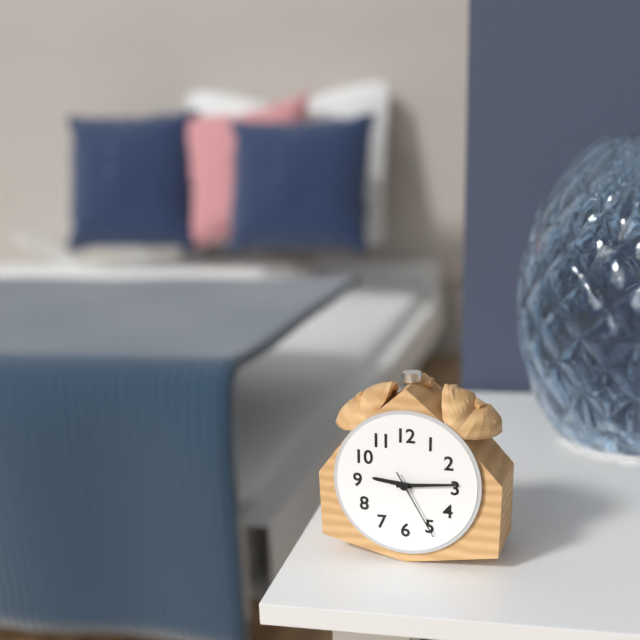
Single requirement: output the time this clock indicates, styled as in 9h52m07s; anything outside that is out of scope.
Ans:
9h14m25s
